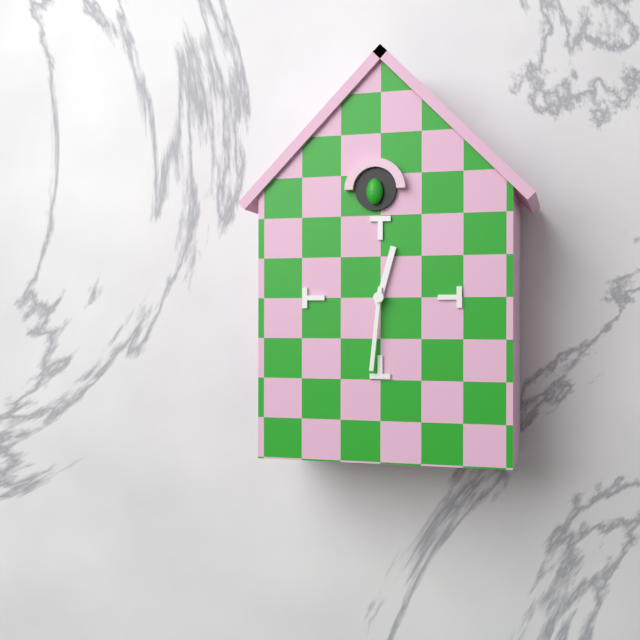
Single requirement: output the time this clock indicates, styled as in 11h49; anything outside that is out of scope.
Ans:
12h31
